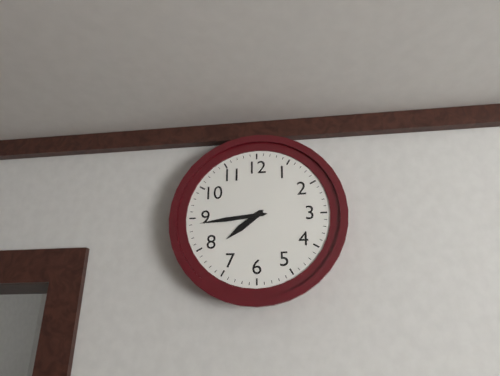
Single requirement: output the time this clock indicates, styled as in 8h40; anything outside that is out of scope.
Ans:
7h44
